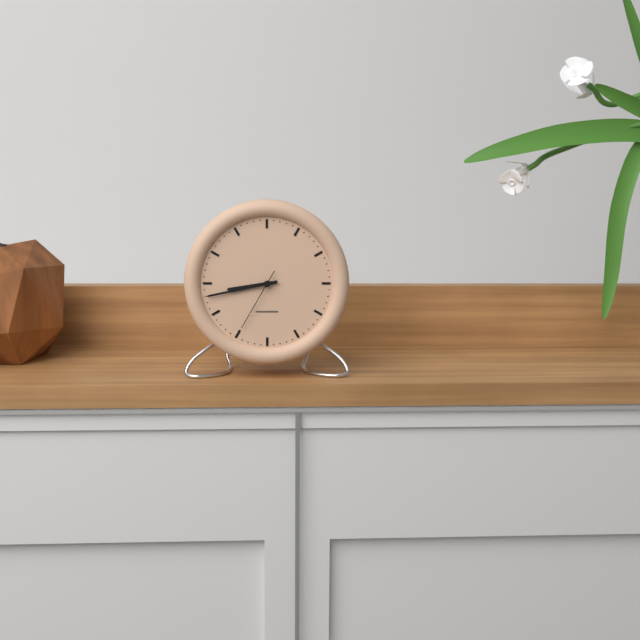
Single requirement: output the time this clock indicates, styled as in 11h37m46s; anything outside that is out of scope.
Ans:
8h43m35s
